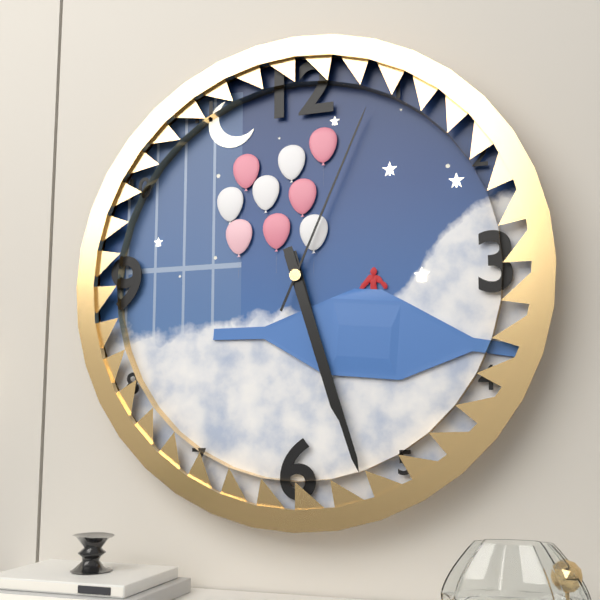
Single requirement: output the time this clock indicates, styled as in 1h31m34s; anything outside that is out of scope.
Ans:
5h27m04s
